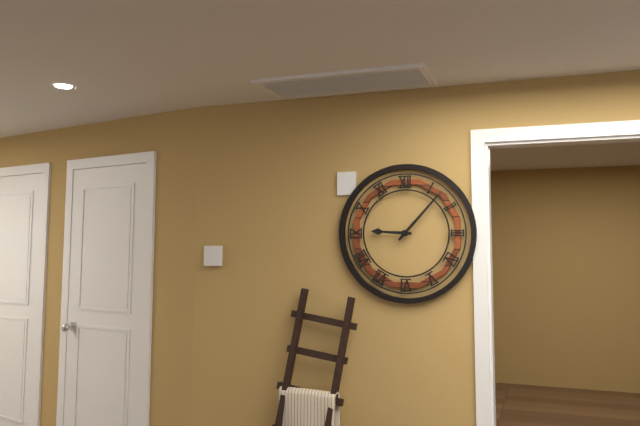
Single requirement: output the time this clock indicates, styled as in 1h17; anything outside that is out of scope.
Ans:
9h07
